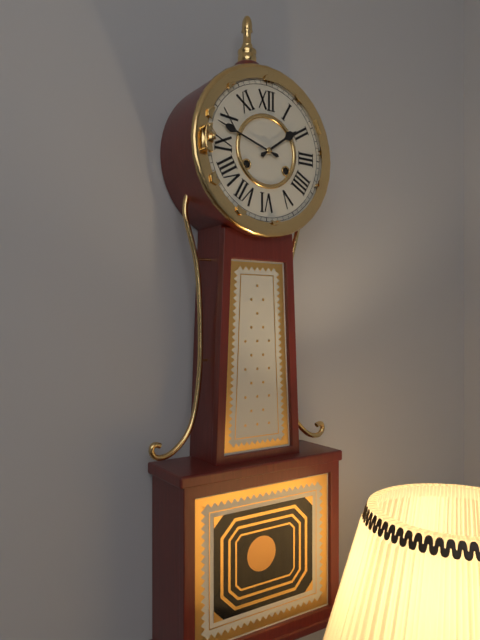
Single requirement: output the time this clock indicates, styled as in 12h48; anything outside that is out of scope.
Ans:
1h48
